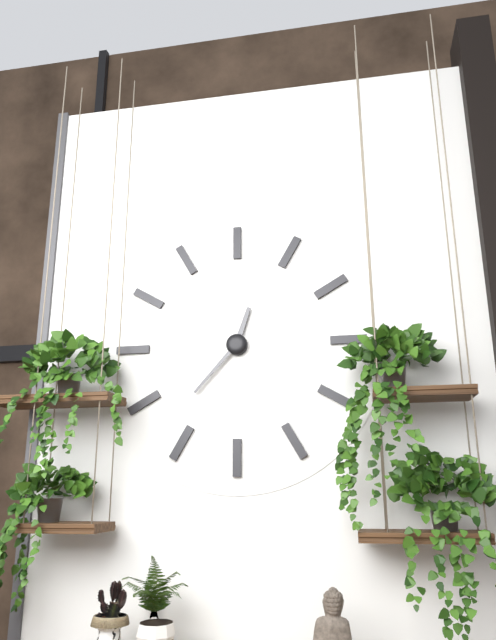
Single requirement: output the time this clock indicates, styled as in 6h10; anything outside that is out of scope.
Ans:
12h37
